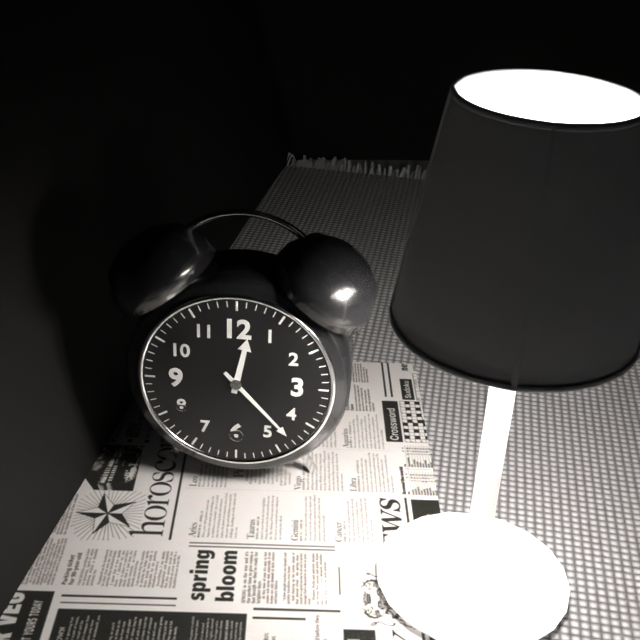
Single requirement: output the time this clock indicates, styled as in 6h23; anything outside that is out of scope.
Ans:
12h23
